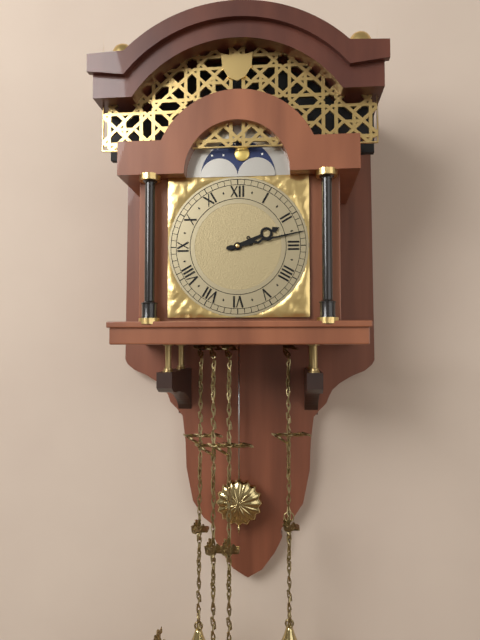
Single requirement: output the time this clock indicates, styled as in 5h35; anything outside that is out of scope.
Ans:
2h13
